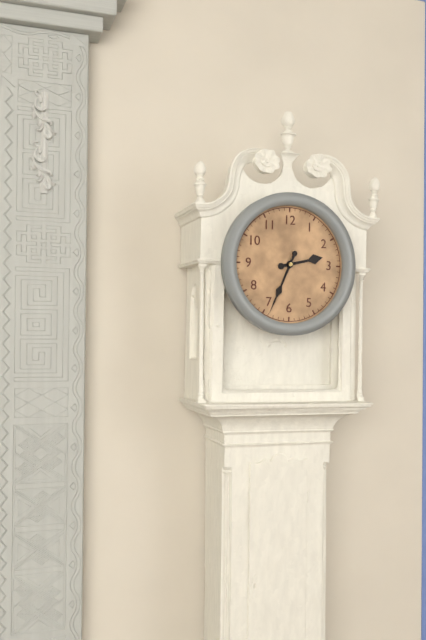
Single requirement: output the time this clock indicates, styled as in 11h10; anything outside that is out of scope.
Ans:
2h34
